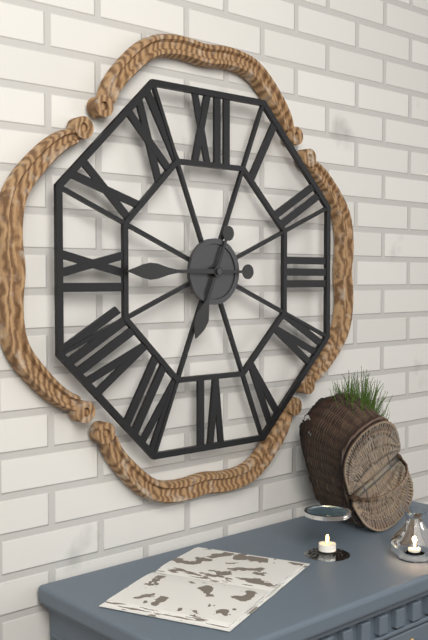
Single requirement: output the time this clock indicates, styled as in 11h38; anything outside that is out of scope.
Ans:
6h45
